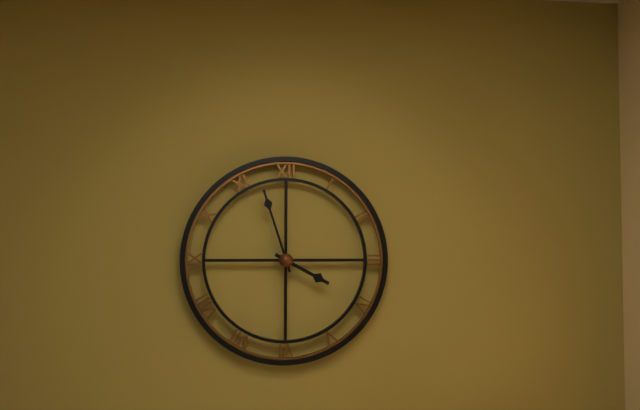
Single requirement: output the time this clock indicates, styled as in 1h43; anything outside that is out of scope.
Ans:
3h57
